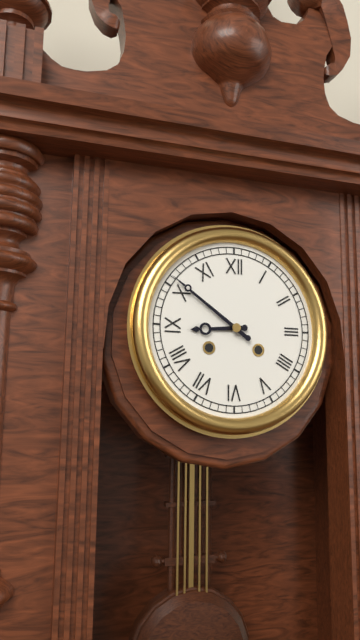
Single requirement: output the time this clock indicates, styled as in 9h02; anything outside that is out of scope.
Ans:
8h51
